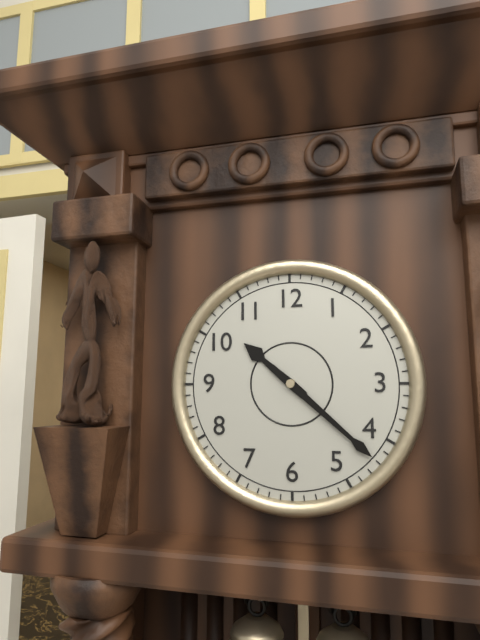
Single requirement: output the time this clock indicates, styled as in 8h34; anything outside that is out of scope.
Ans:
10h22
